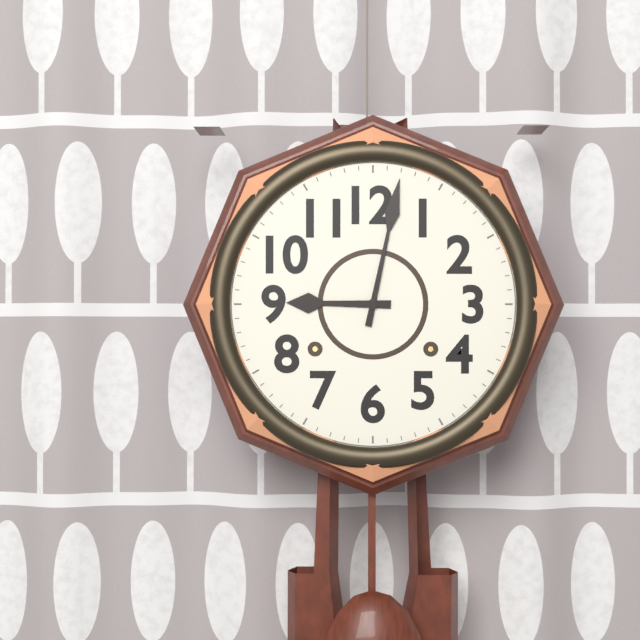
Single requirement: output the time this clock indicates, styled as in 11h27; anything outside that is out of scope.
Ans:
9h02
